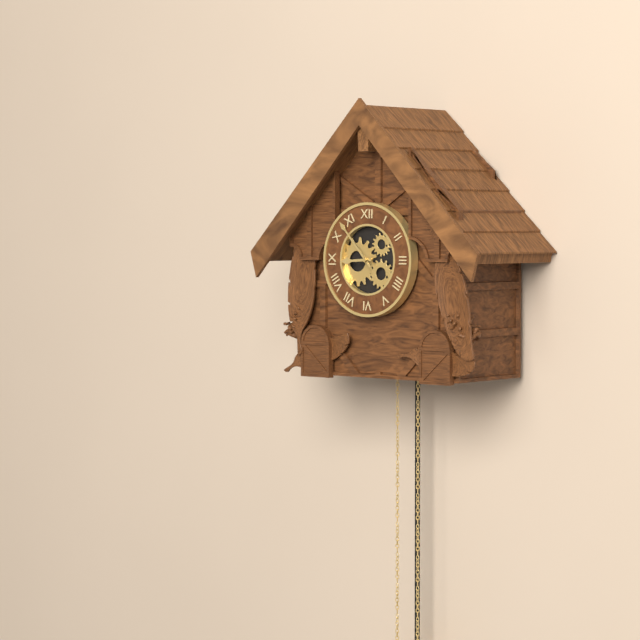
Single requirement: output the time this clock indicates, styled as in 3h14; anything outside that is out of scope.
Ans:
8h53
